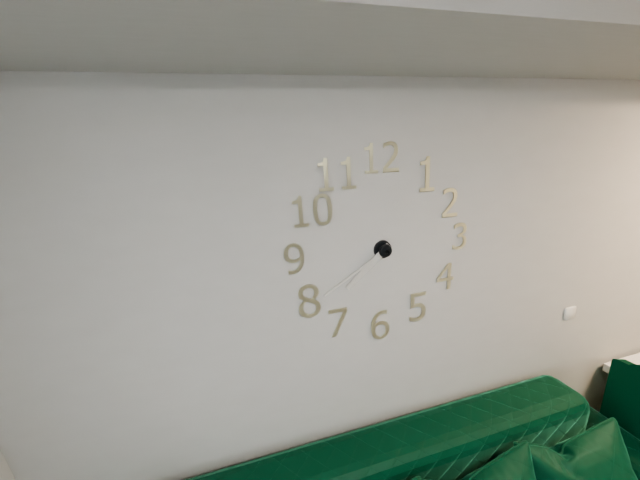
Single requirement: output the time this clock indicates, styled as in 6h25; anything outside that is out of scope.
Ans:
7h40
